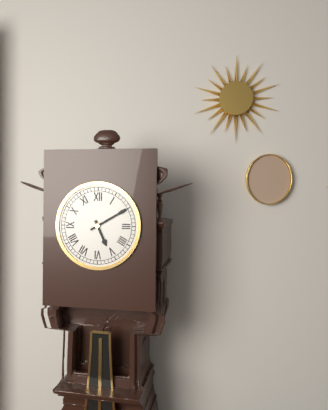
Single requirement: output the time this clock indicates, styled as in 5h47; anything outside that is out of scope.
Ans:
5h10
